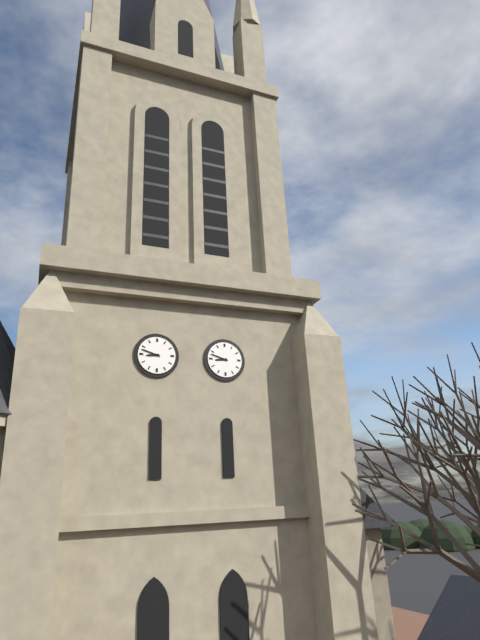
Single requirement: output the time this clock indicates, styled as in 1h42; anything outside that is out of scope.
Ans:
8h48
